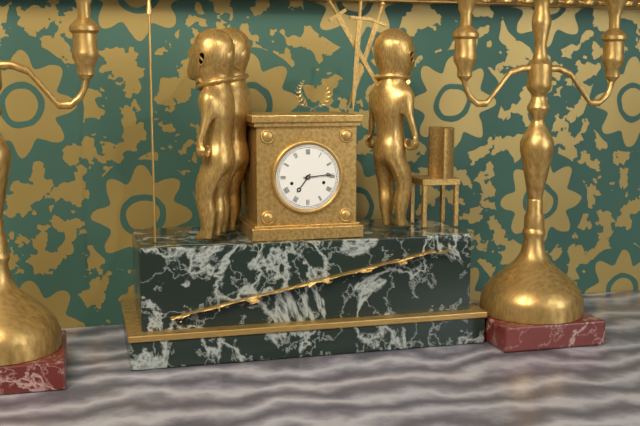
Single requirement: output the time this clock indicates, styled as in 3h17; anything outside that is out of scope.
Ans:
7h14
